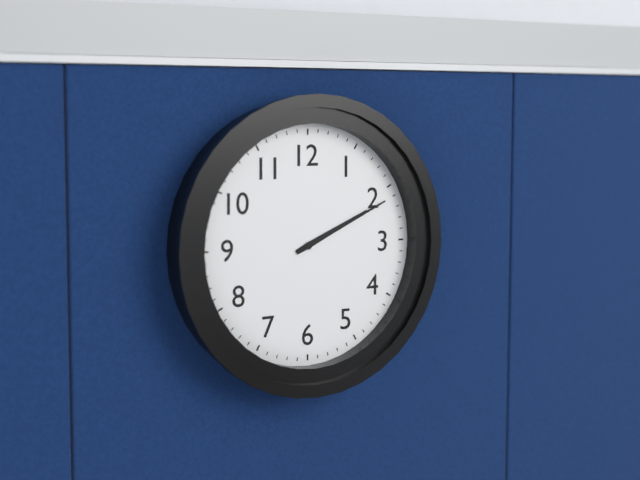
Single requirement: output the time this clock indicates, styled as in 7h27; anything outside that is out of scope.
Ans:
2h11
